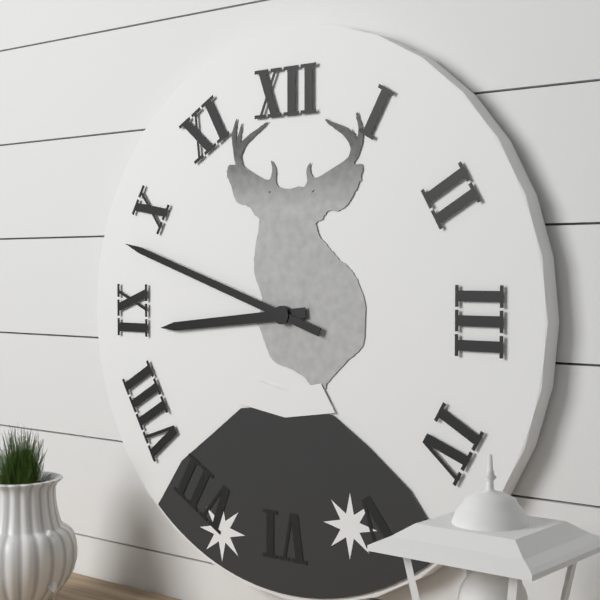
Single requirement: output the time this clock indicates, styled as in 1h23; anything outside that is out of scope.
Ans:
8h48
